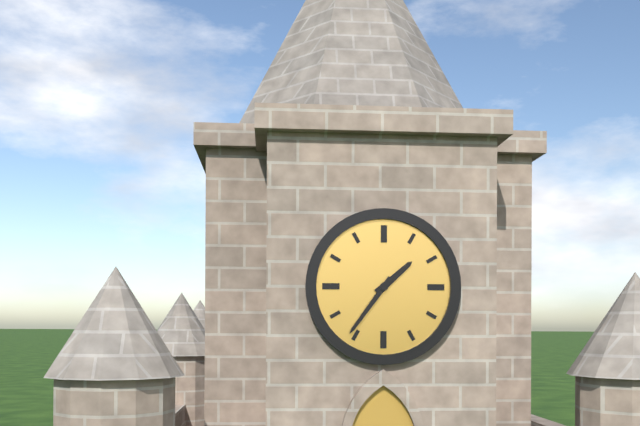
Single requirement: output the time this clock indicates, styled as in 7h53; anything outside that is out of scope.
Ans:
1h36
